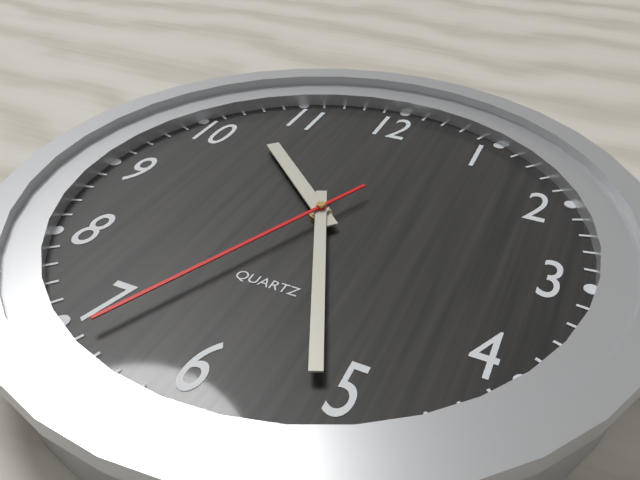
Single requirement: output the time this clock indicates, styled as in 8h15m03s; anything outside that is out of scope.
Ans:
10h26m34s
